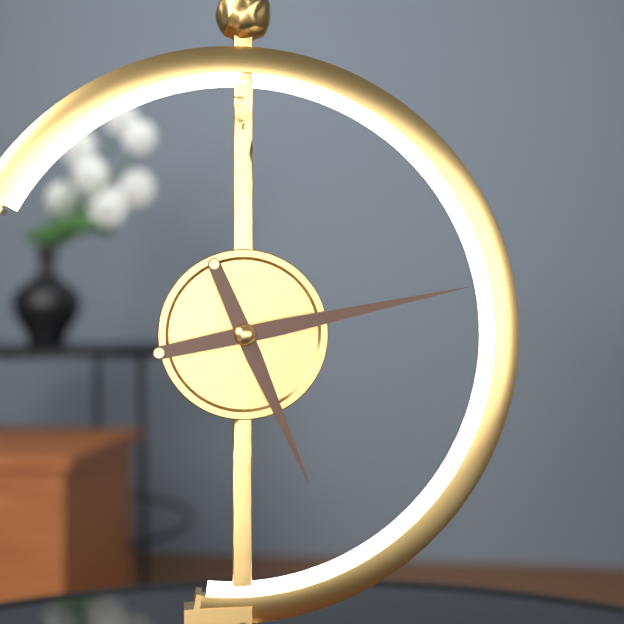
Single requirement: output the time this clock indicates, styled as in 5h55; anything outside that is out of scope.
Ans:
5h13
